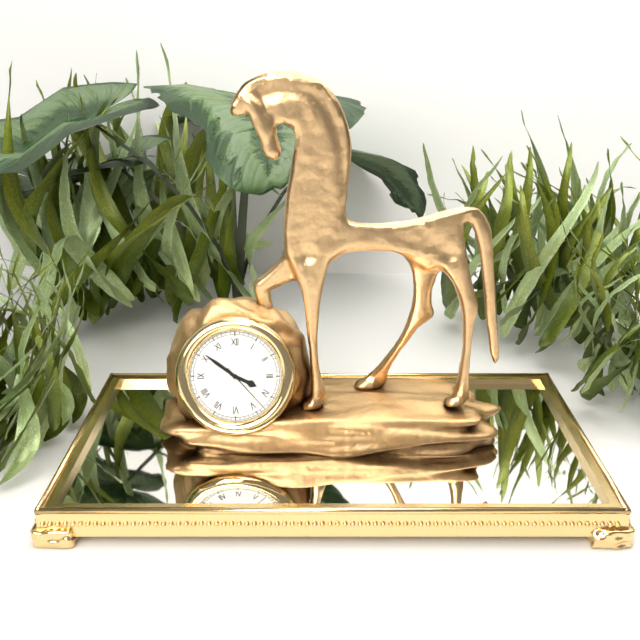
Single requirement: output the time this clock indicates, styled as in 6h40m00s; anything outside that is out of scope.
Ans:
3h51m23s
